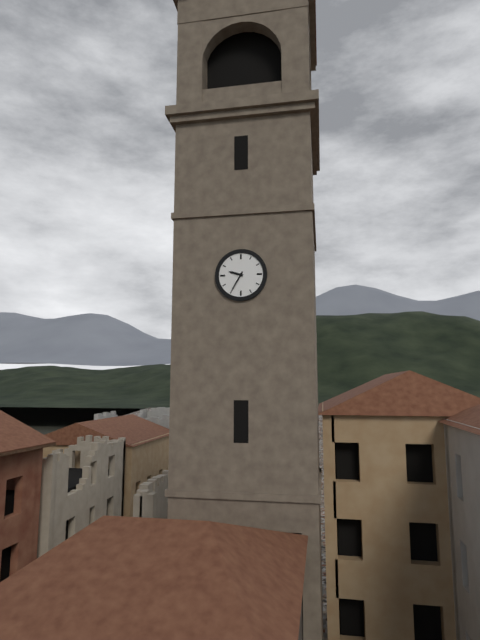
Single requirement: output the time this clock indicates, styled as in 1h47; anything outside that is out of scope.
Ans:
9h35
